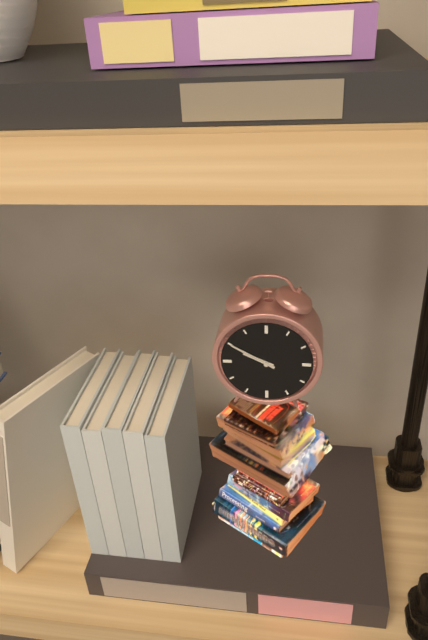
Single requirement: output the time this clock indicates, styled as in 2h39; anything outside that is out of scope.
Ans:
9h50
